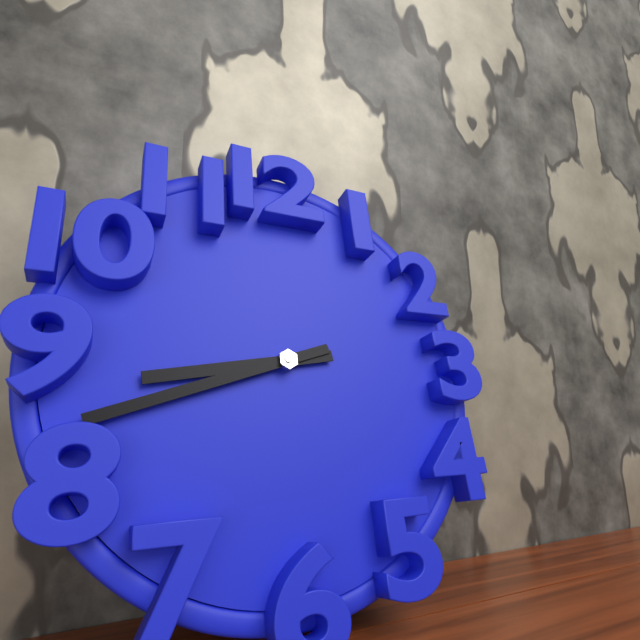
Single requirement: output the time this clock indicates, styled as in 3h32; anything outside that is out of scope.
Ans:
8h42
